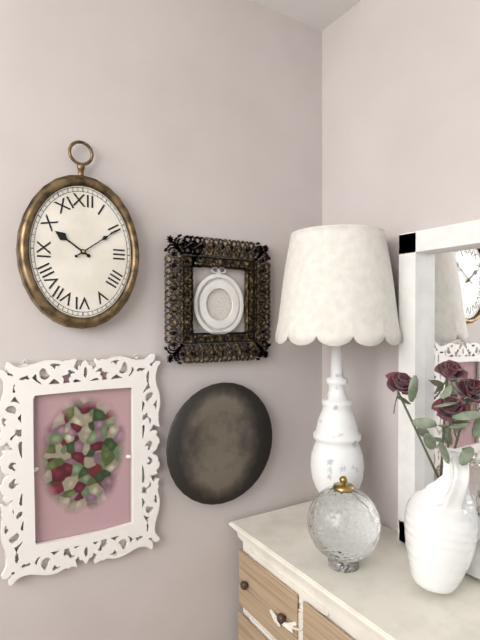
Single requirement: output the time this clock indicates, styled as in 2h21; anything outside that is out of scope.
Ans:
10h09
